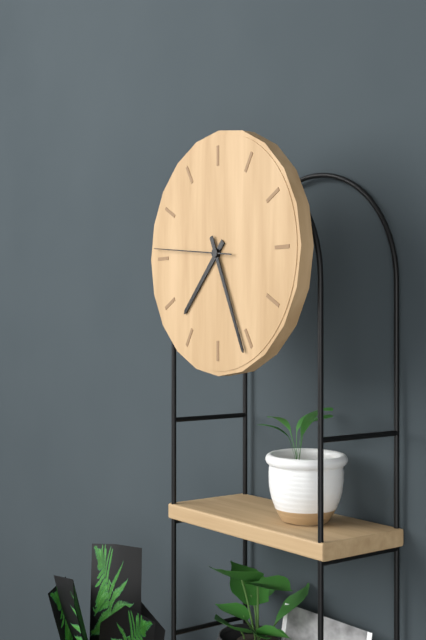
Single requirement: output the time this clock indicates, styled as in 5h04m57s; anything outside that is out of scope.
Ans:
7h26m46s
